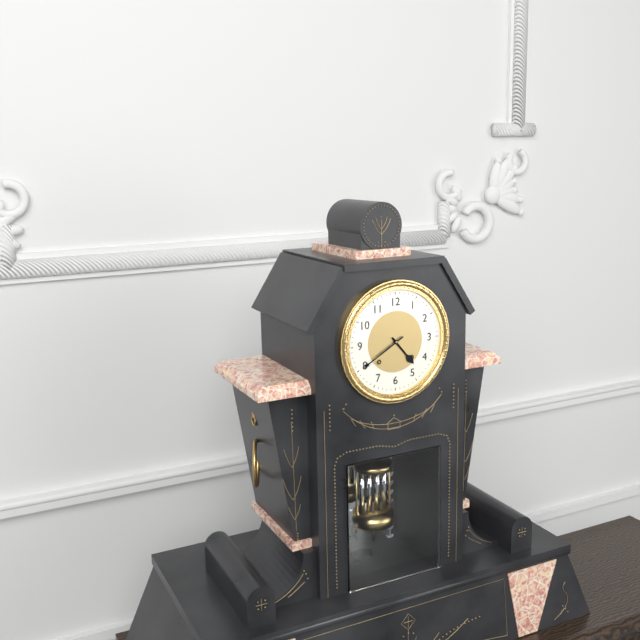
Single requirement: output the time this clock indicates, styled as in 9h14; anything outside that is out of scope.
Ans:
4h40
